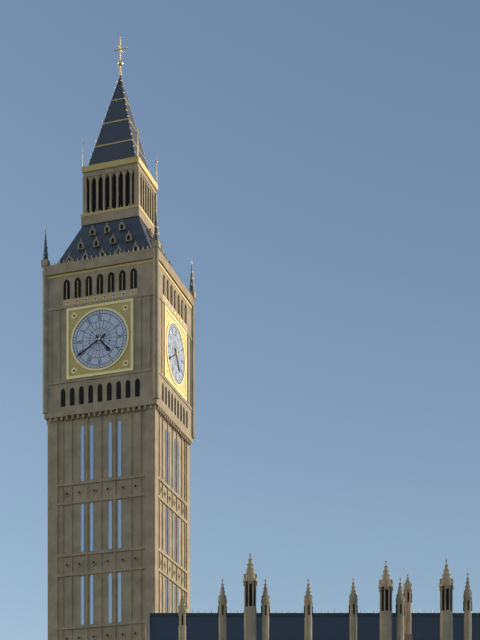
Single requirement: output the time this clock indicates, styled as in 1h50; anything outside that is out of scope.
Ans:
4h40
